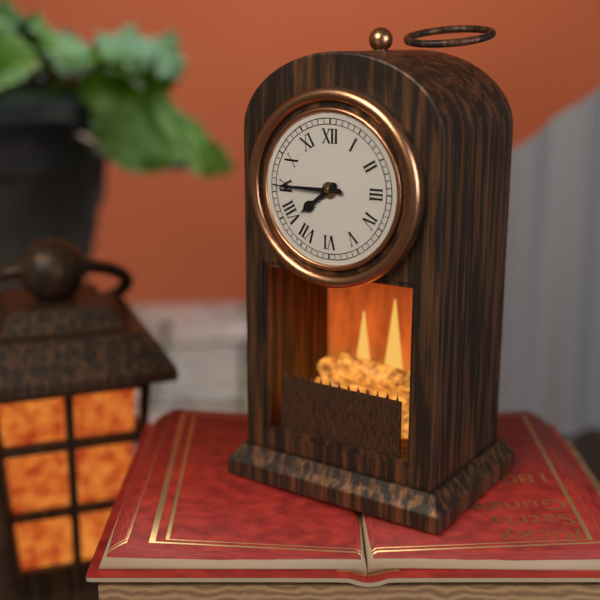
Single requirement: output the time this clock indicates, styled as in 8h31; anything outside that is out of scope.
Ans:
7h45
